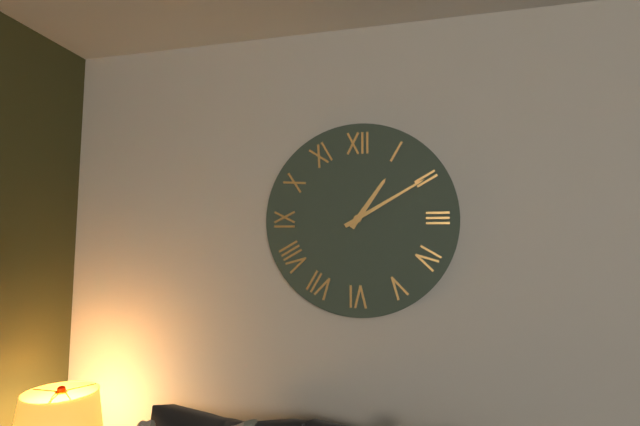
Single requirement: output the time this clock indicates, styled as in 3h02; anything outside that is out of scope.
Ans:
1h10
